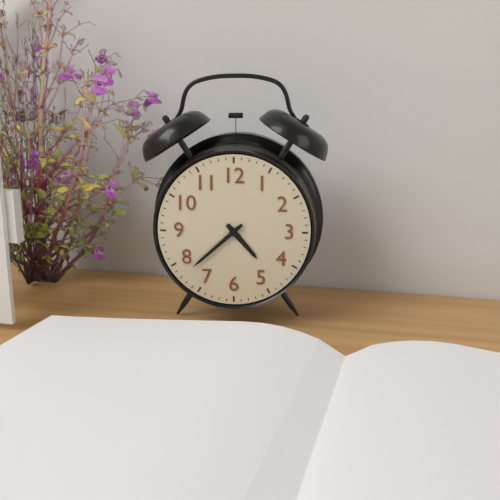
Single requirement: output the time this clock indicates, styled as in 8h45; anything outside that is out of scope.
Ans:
4h38
